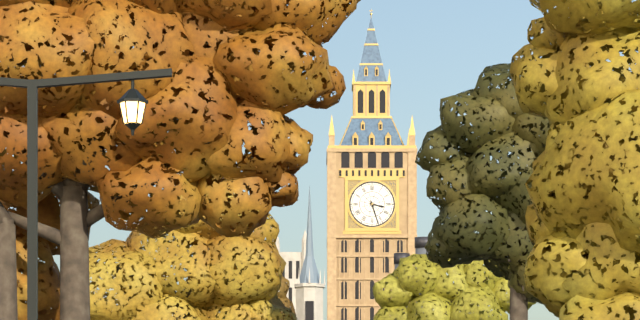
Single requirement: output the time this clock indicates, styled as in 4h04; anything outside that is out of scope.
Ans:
3h27
